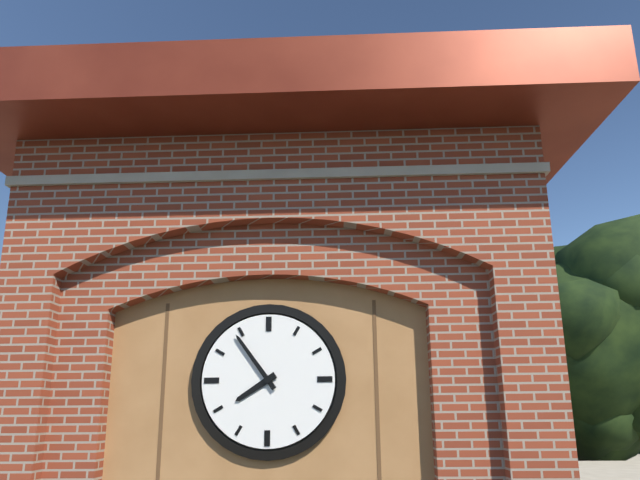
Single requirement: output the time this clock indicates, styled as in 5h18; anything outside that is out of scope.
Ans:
7h54
